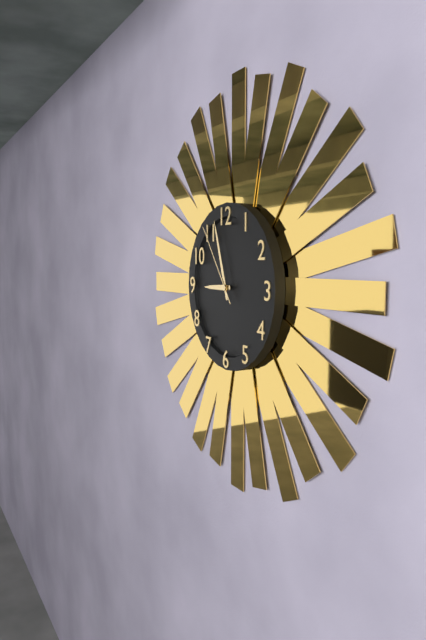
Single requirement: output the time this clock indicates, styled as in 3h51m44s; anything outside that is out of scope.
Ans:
8h57m54s
